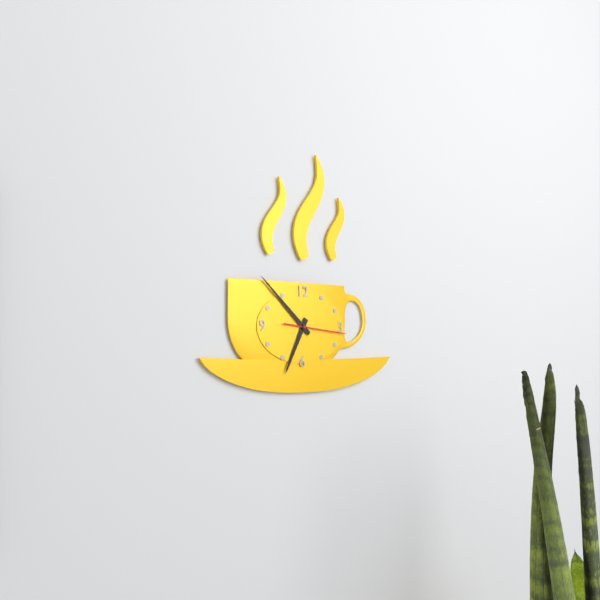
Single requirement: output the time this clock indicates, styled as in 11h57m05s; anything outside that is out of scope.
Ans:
6h52m16s
